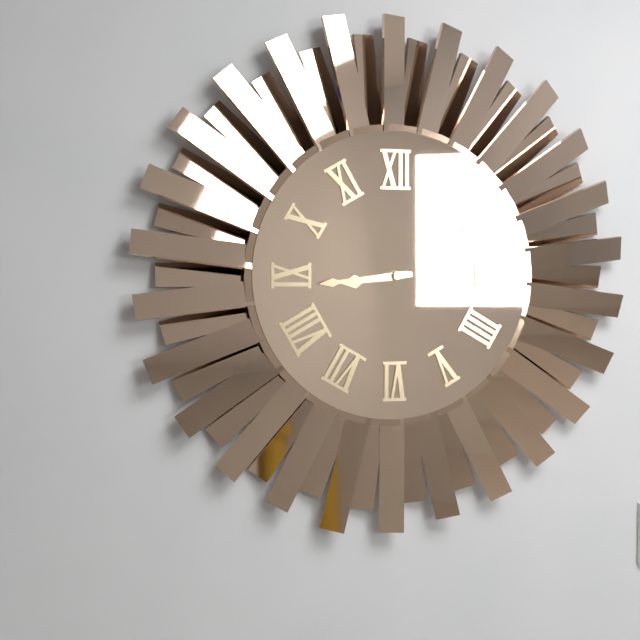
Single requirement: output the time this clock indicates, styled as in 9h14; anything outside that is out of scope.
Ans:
8h44
